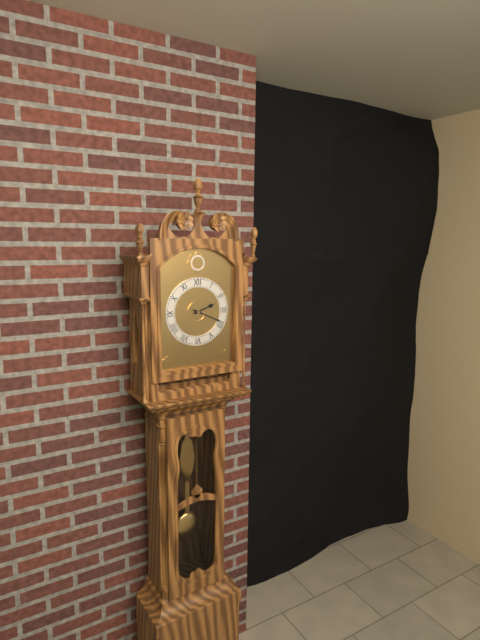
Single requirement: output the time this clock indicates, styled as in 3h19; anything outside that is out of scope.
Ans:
2h19
